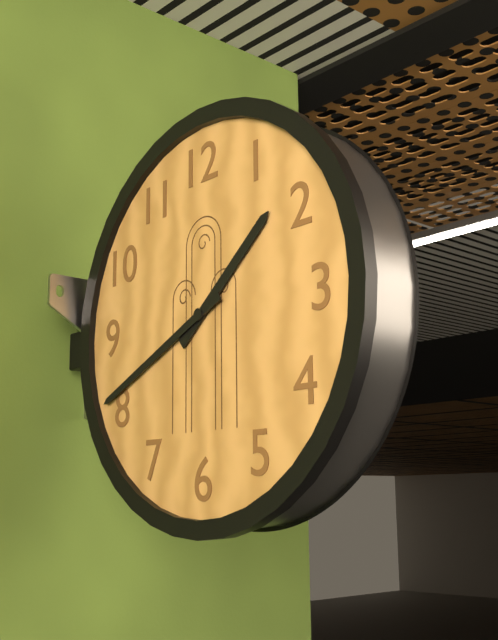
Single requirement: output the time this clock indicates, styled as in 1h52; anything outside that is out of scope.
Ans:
1h41
